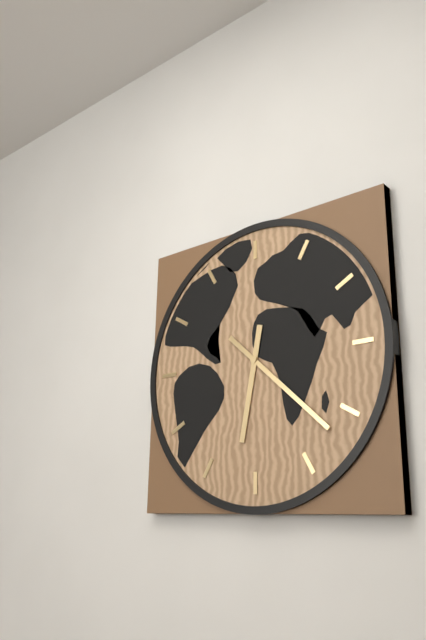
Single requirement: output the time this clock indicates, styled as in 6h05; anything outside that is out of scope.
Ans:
6h22
